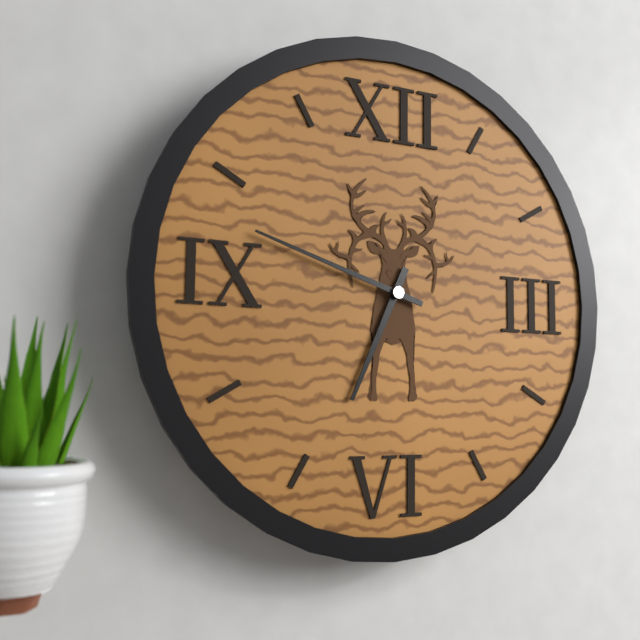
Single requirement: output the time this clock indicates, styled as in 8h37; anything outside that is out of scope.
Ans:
6h48
